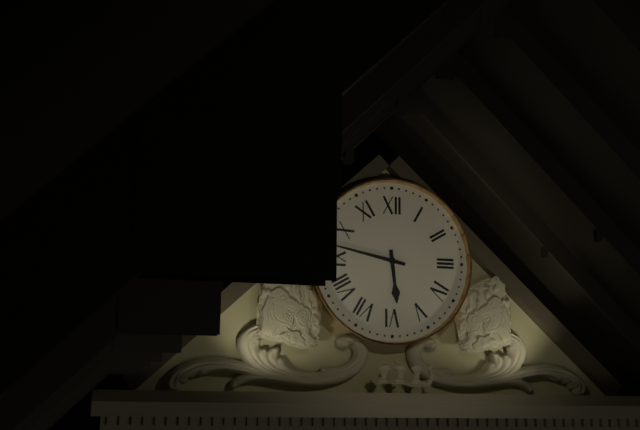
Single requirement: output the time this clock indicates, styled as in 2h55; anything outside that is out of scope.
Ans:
5h47
